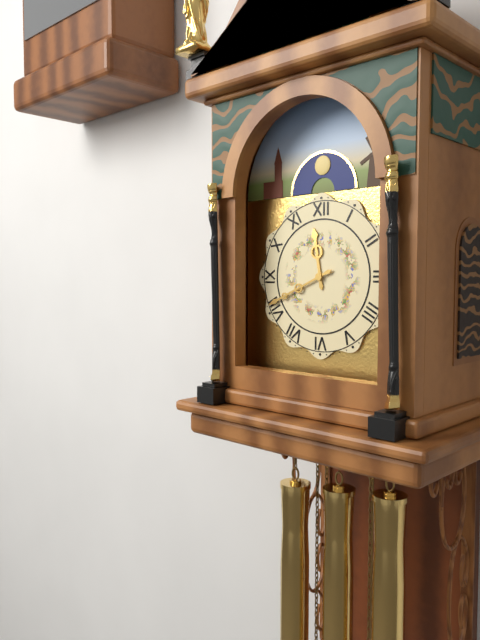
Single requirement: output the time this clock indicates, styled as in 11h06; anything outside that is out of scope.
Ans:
11h41
